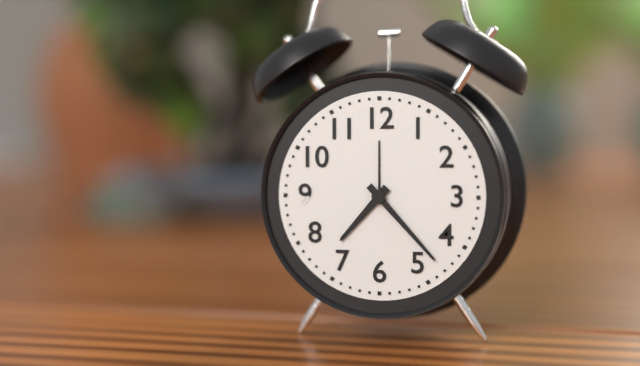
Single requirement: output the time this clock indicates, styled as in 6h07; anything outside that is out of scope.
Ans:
7h23
